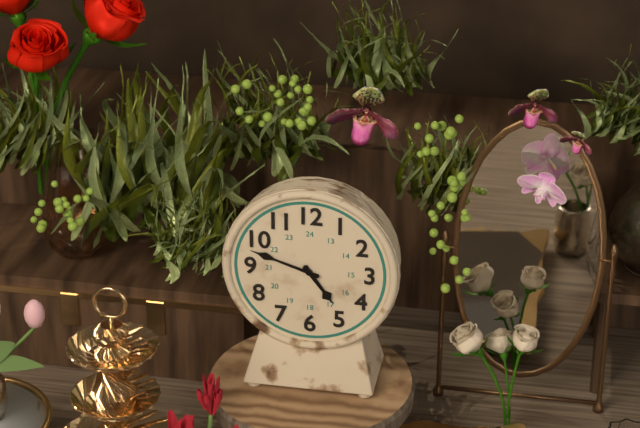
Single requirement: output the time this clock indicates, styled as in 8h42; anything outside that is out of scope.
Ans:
4h48
